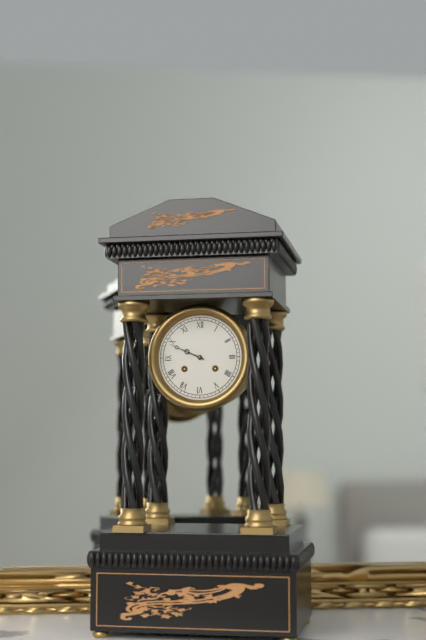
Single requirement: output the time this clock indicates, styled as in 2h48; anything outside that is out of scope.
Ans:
9h49
